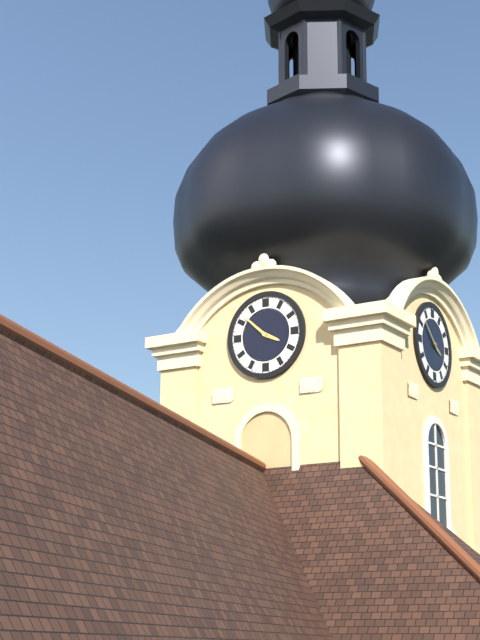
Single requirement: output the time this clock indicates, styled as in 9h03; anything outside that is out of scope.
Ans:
3h52
